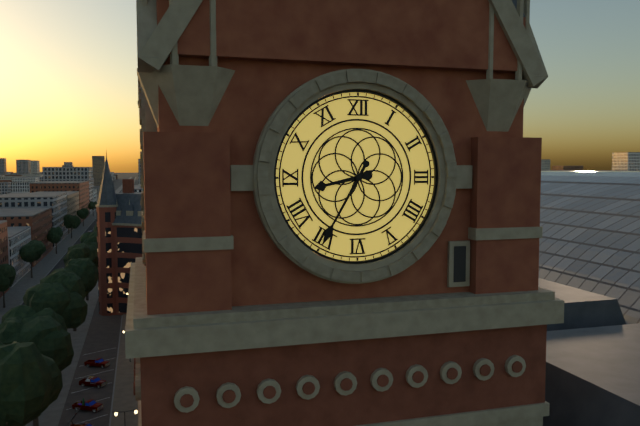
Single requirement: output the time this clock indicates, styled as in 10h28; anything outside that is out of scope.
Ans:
8h35
